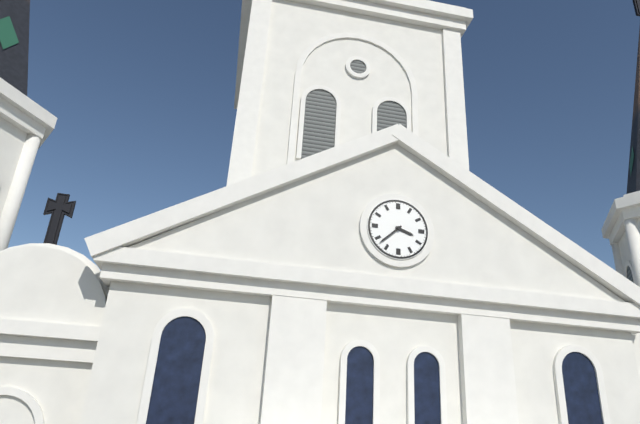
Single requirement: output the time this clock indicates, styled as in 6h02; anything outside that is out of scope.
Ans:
3h38
